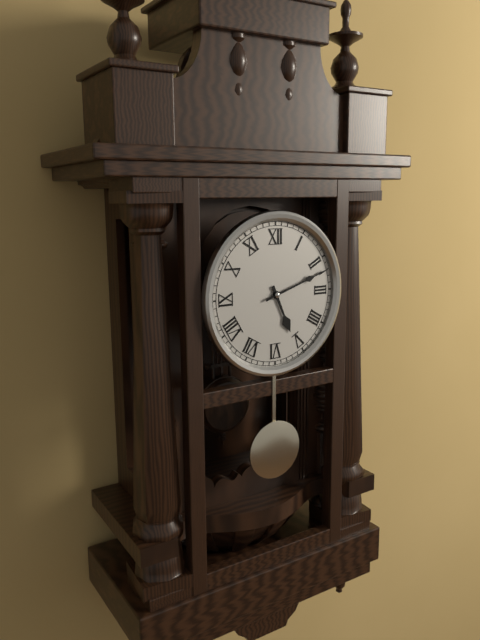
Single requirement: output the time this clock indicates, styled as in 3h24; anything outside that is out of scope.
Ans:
5h12
